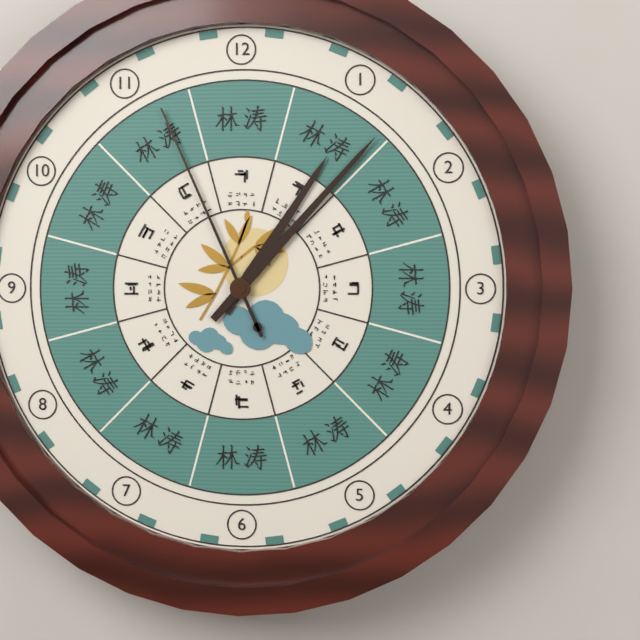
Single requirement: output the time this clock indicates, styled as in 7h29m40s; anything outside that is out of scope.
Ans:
1h07m56s
